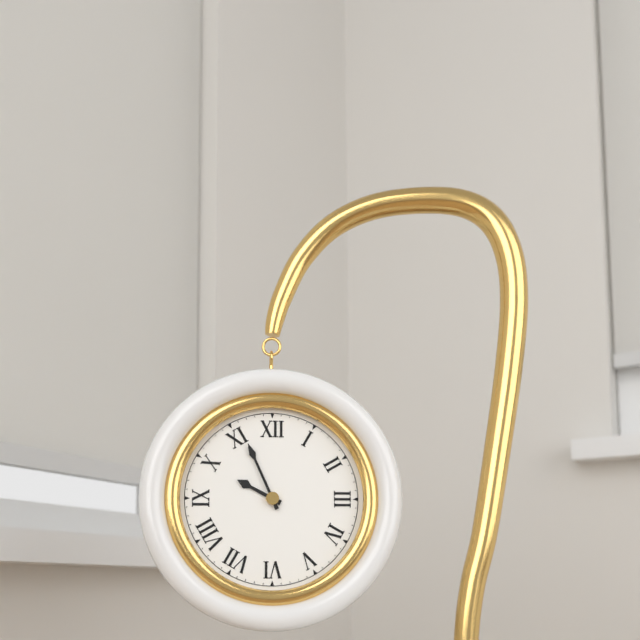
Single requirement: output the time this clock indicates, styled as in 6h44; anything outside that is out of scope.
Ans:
9h56
